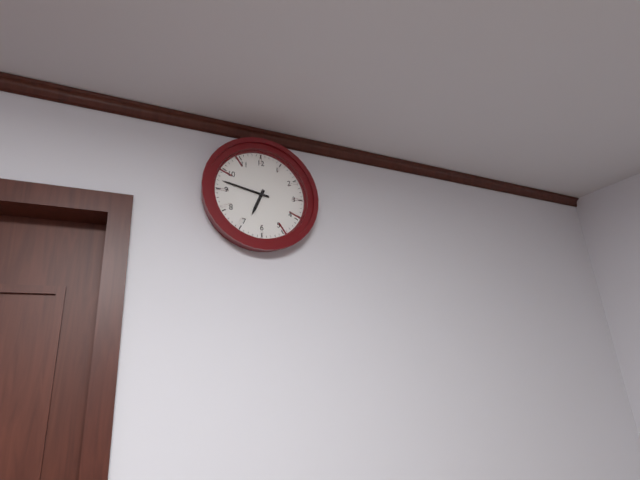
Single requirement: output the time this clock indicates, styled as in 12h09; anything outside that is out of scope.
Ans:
6h47
